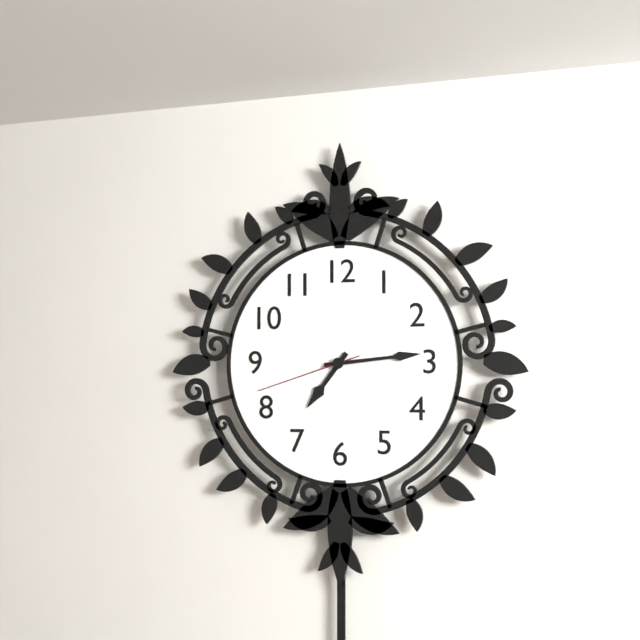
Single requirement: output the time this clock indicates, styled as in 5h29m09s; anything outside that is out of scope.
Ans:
7h14m42s
